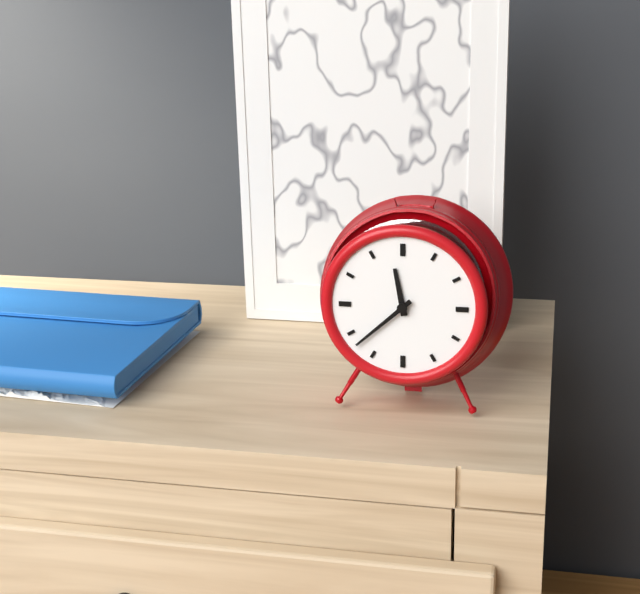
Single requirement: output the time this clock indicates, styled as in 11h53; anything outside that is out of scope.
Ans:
11h38
